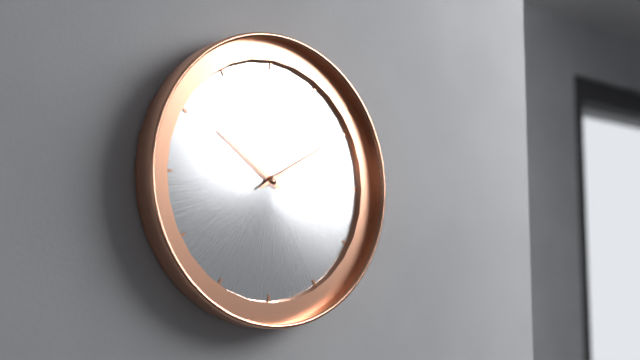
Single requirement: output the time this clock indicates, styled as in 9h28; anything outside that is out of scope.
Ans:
10h10
